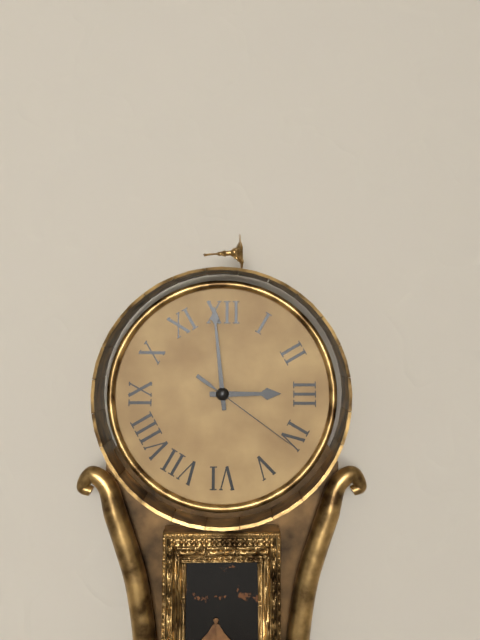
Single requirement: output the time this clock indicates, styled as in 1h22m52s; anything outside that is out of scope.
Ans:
2h59m21s
